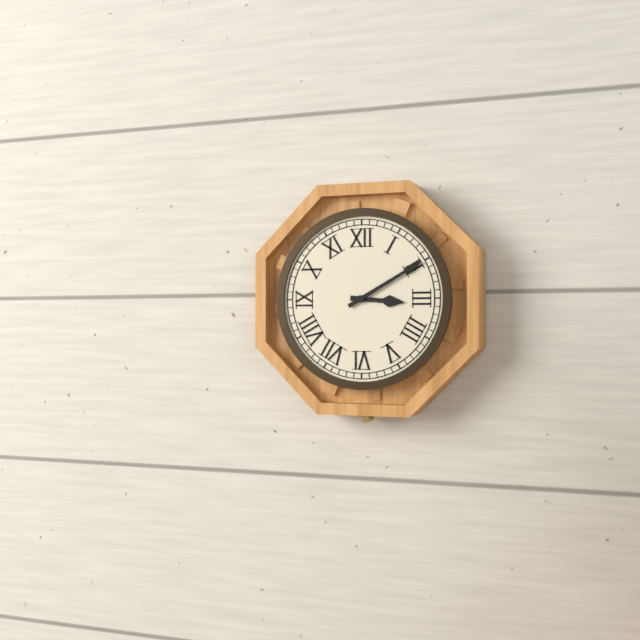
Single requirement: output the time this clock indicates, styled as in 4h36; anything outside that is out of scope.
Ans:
3h10
